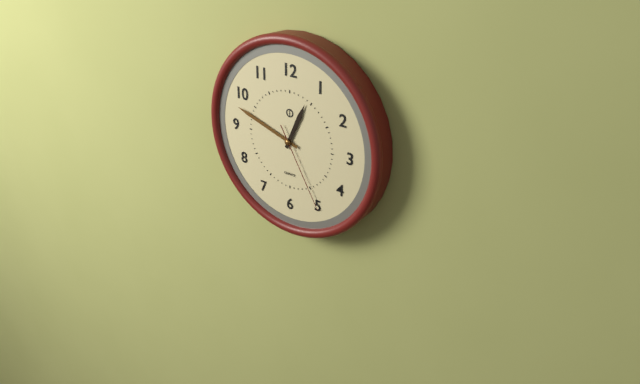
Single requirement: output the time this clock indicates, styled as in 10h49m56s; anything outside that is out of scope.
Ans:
12h48m25s
